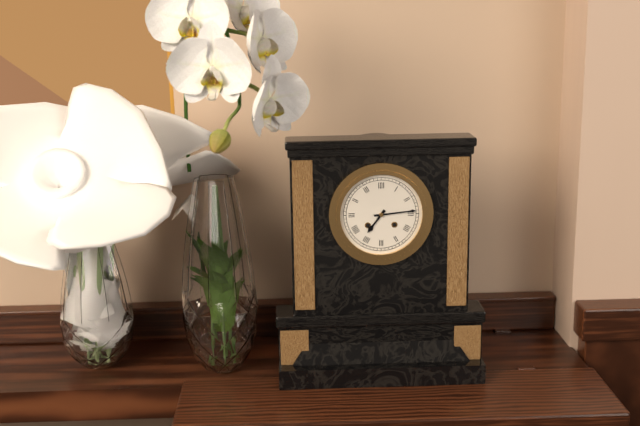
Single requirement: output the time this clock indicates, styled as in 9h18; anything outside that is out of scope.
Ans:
7h14
